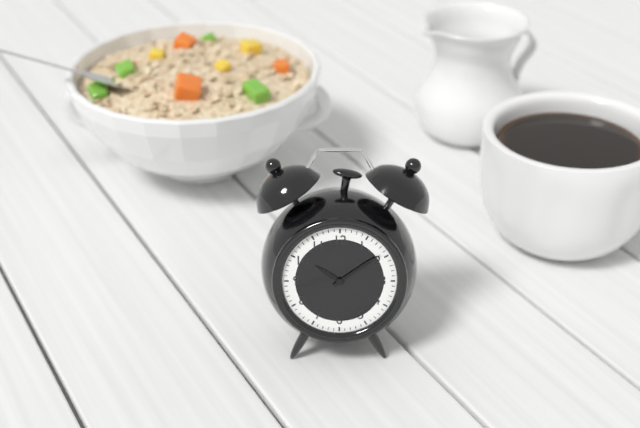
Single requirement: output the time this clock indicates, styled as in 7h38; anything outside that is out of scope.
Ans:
10h09
